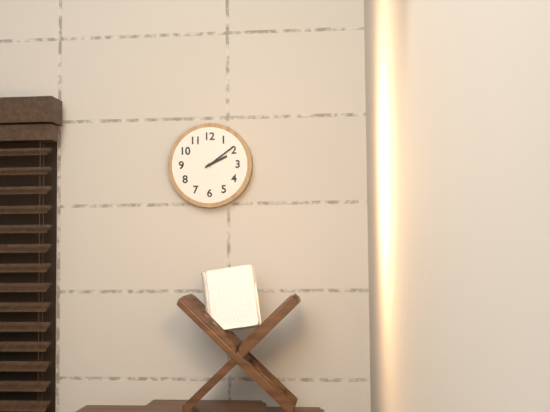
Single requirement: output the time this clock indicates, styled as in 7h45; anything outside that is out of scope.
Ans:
2h09
